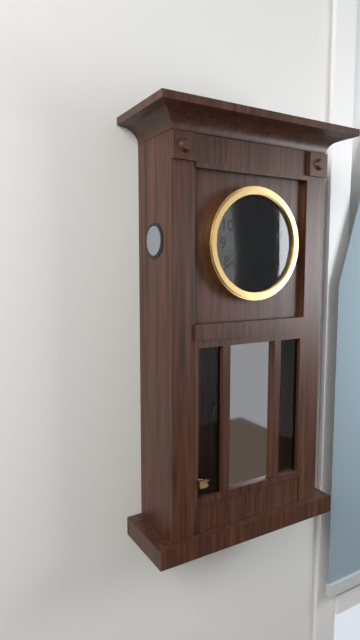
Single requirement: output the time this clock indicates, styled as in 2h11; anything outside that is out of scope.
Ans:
10h39
